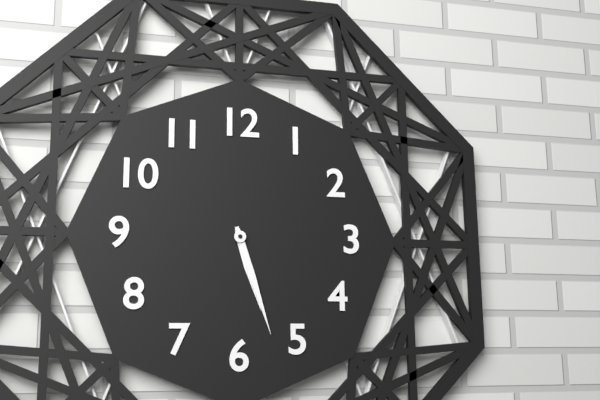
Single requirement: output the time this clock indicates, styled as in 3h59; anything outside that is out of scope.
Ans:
5h27
